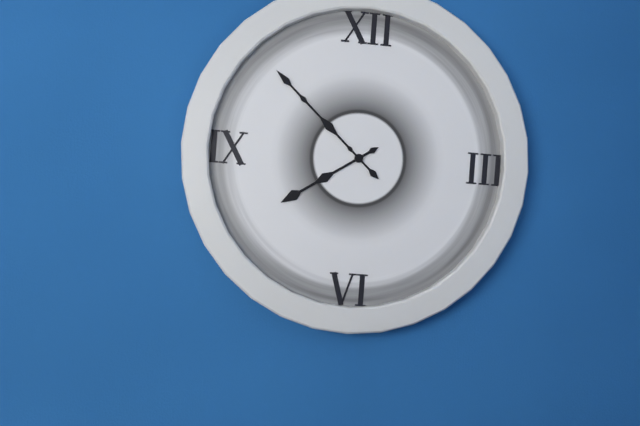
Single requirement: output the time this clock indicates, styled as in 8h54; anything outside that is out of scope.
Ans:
7h52
